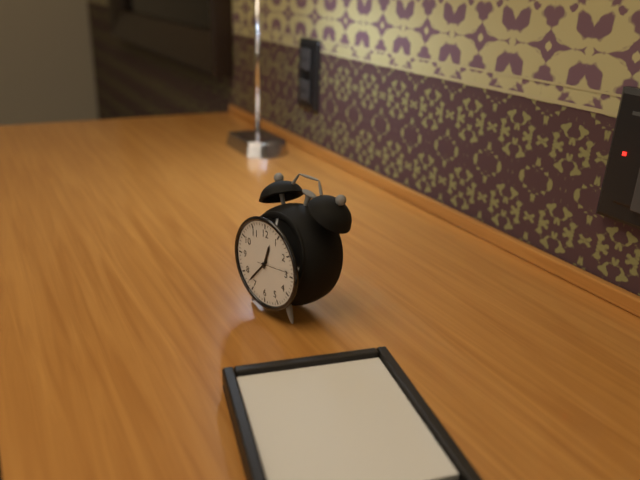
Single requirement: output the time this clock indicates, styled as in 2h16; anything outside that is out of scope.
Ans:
12h37
